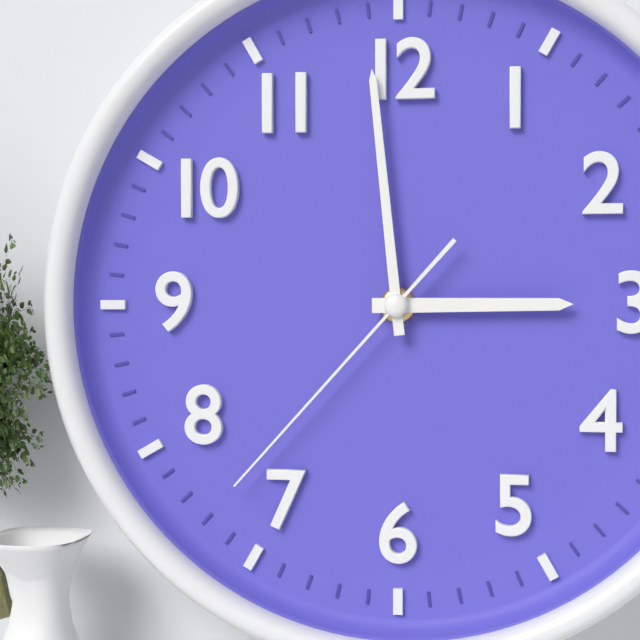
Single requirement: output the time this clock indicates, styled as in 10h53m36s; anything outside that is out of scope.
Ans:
2h59m37s
